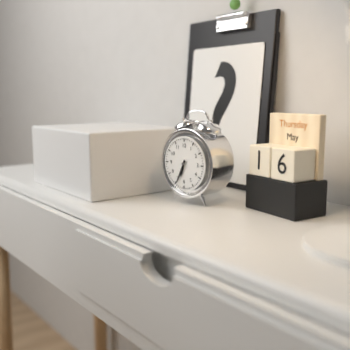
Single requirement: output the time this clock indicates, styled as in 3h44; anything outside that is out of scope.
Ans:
6h34
